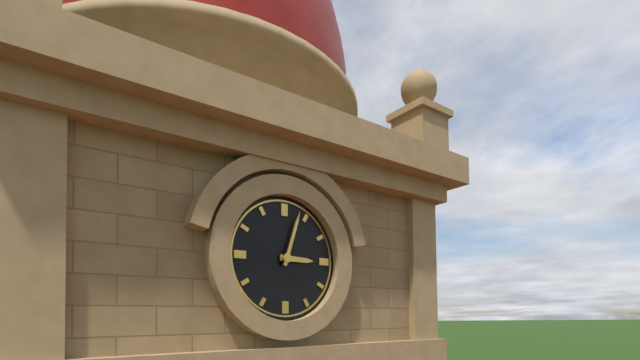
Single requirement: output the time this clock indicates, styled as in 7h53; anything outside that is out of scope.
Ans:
3h03
